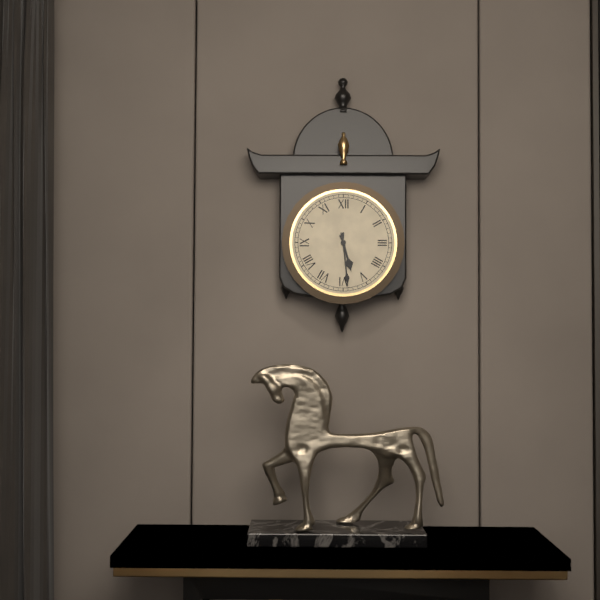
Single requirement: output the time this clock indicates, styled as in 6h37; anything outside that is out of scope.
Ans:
5h29
